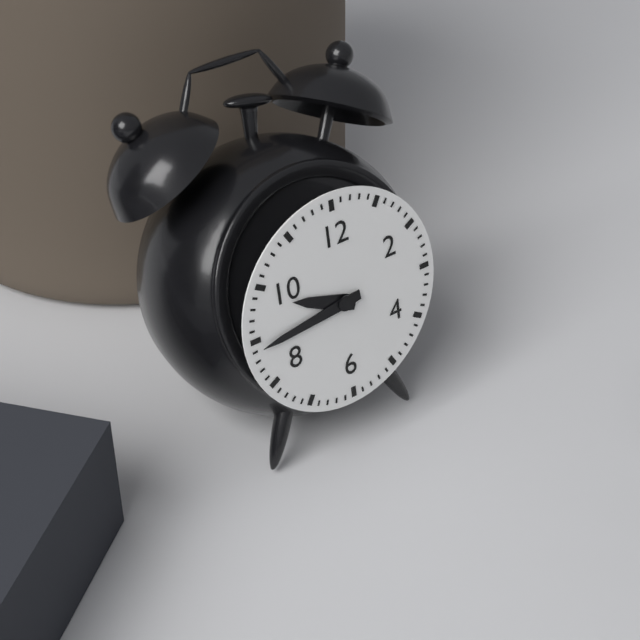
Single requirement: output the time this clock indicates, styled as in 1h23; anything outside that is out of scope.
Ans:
9h44
